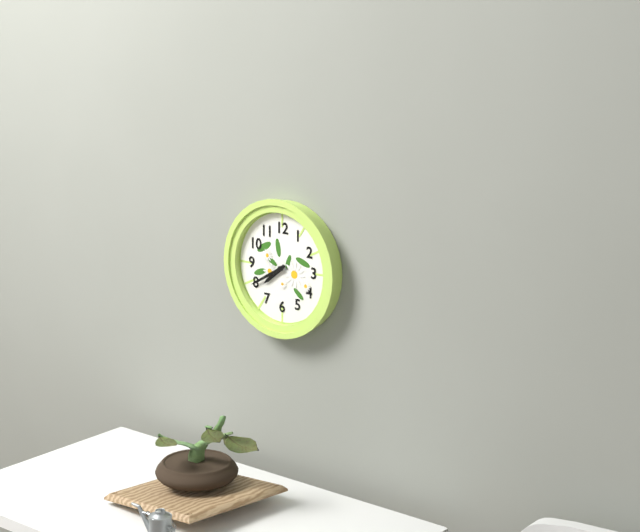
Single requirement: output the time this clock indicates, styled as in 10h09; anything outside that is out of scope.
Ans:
7h40
